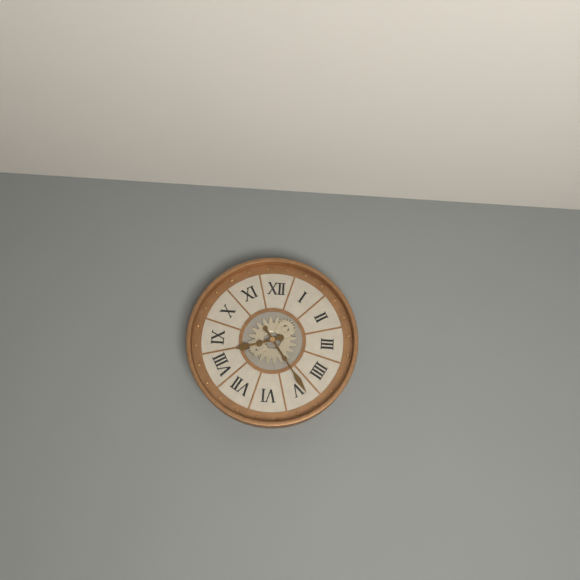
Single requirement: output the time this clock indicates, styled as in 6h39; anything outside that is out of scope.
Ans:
8h24
